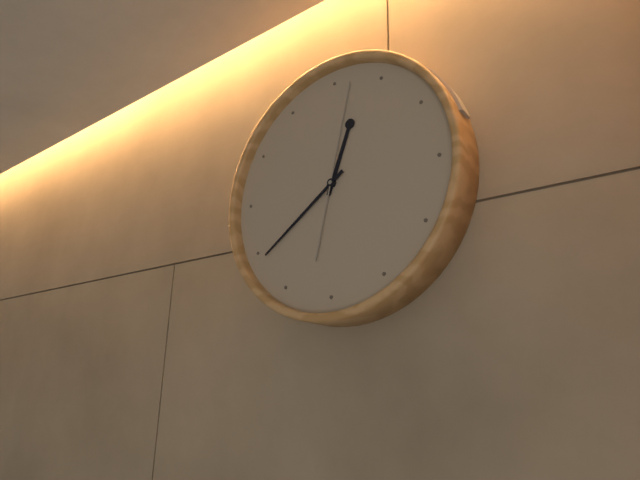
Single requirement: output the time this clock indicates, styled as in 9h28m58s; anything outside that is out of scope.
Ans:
12h39m02s
